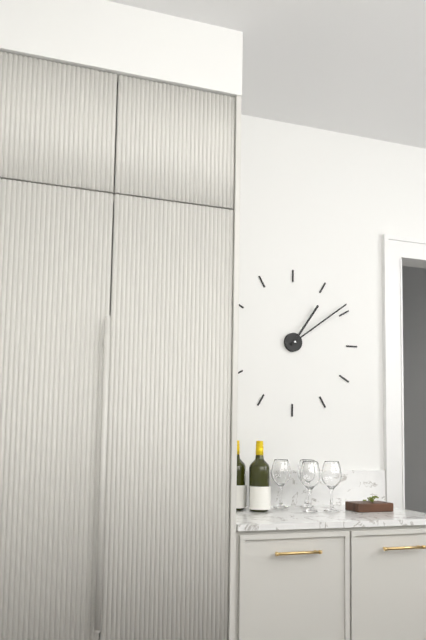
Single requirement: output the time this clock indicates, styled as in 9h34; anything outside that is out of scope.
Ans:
1h09
